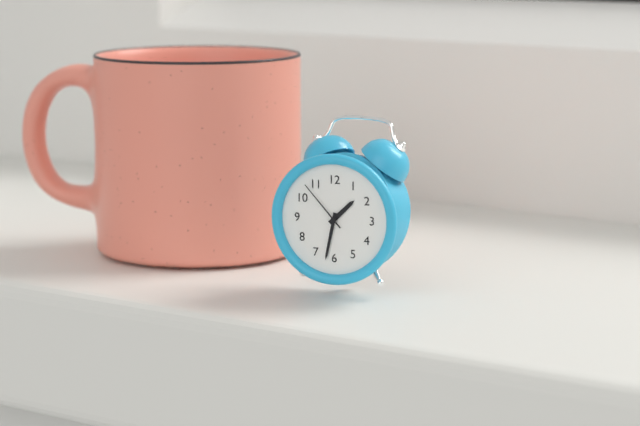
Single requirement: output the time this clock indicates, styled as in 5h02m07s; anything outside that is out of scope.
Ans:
1h32m53s
